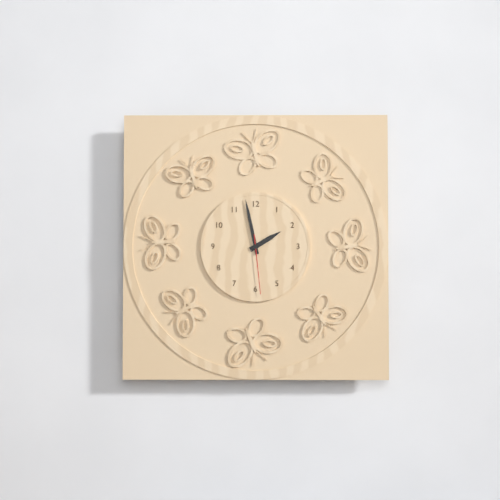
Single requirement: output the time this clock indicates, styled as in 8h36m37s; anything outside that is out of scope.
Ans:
1h58m29s
